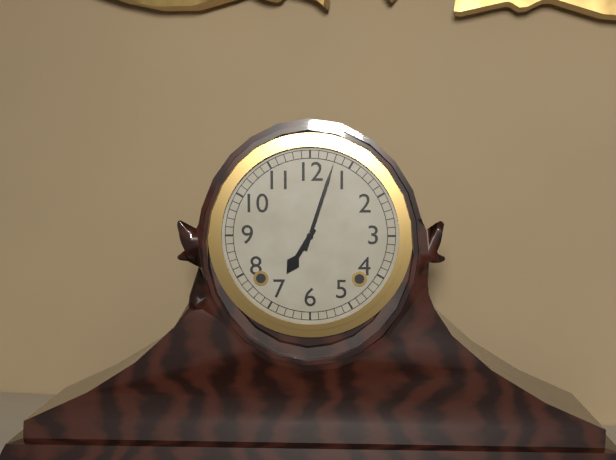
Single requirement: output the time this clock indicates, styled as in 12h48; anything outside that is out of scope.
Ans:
7h03
